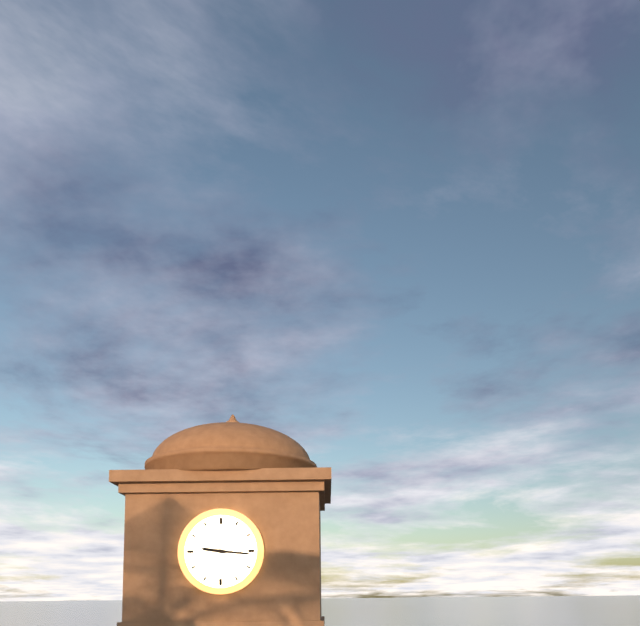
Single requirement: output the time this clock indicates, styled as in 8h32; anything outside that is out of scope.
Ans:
9h16
